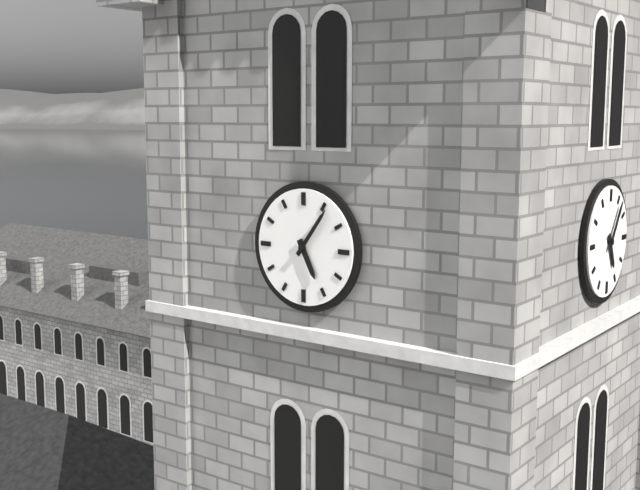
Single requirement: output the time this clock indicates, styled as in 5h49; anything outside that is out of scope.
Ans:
5h06
